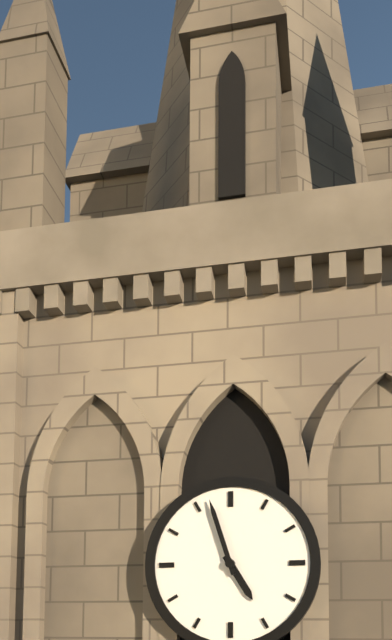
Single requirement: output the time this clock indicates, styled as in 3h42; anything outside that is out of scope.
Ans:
4h57
